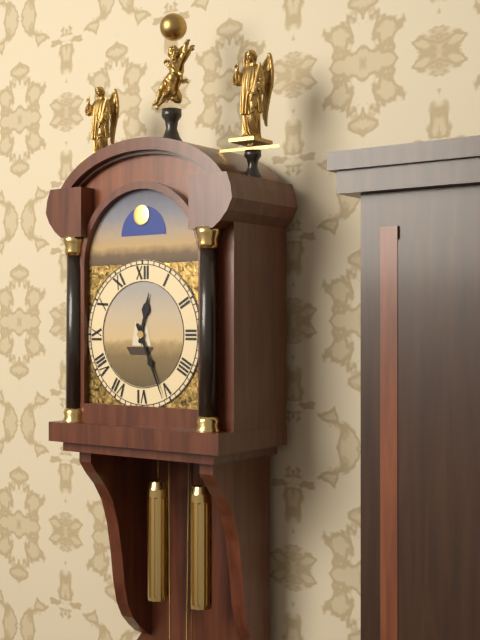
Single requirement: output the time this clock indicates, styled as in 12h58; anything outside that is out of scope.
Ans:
12h26
